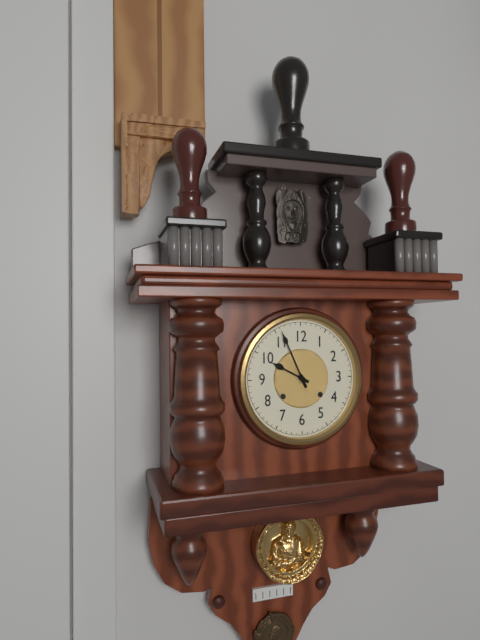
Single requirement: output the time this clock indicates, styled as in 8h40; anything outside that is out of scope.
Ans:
9h56
